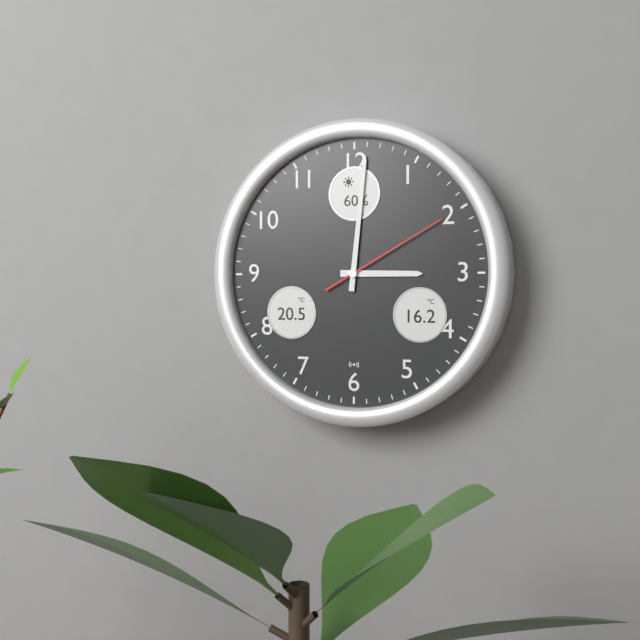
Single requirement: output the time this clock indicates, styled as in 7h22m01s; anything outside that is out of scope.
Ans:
3h01m10s
